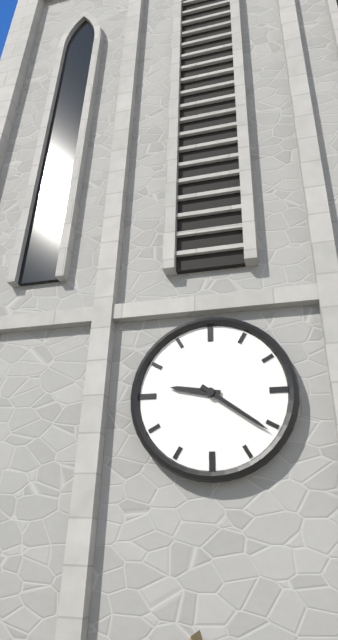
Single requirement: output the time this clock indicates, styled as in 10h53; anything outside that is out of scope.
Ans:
9h21
